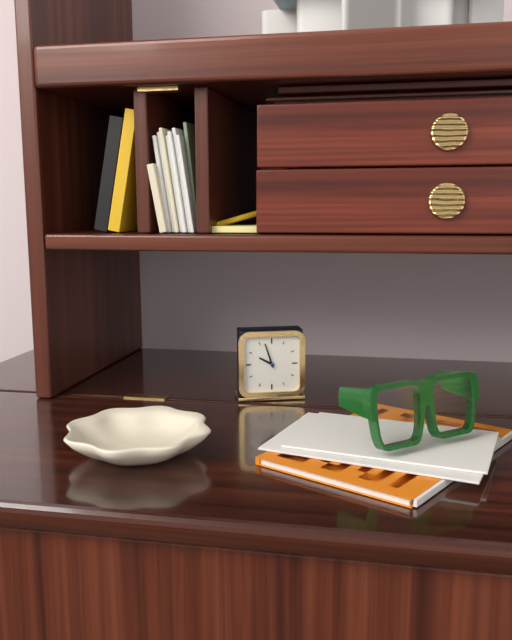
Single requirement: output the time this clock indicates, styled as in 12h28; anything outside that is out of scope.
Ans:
9h57
